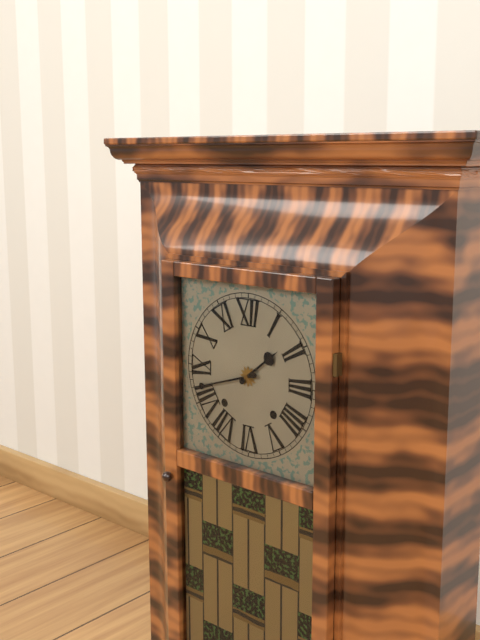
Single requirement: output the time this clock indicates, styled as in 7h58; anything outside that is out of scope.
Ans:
1h42
